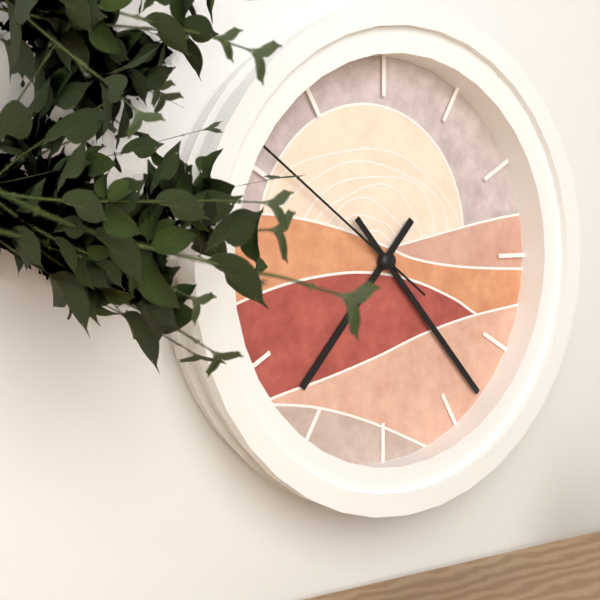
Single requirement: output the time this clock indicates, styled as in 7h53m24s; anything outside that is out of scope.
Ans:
7h23m51s
